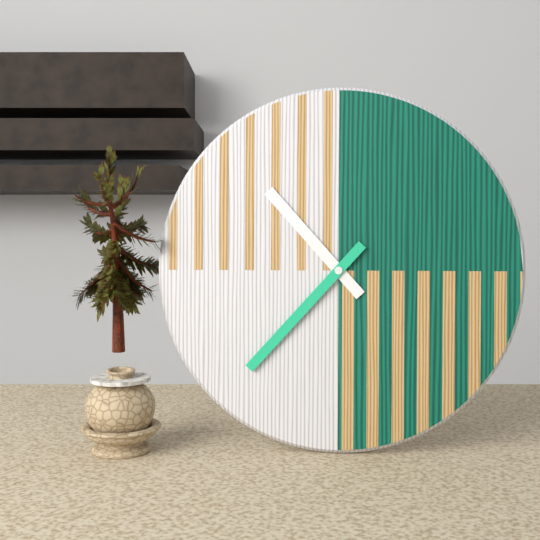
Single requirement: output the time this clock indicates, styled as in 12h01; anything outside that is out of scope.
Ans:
10h37
